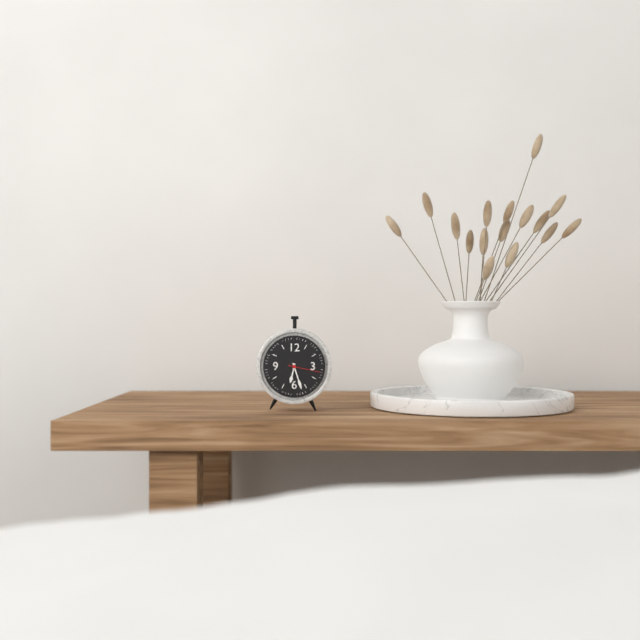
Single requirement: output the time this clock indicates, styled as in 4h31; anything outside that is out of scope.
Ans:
6h27
